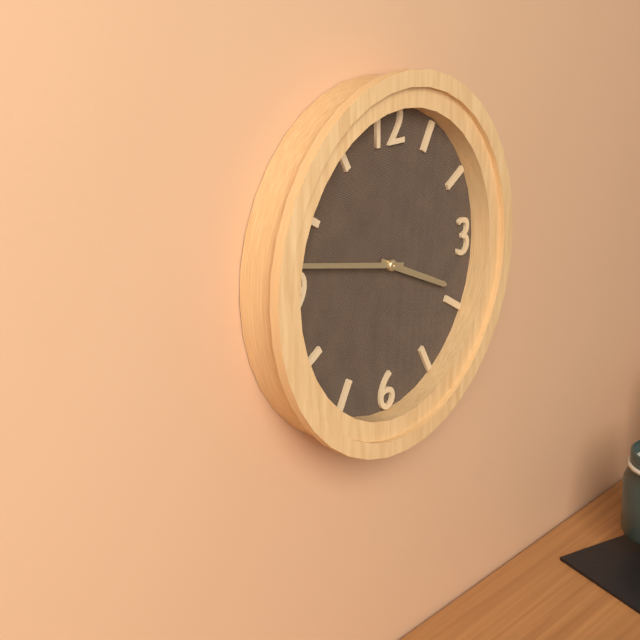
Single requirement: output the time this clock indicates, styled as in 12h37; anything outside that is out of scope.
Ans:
3h47
